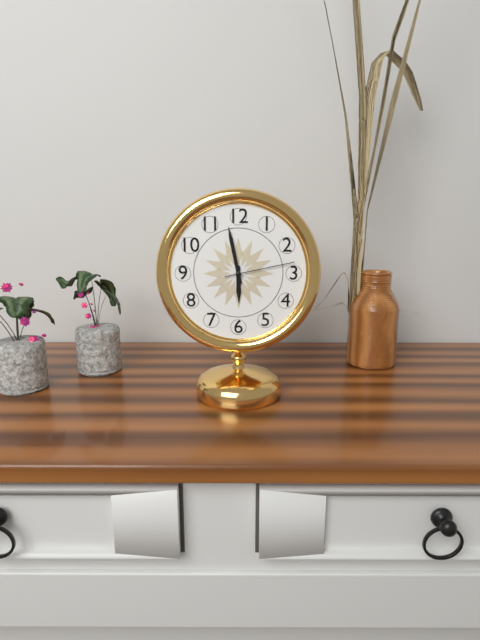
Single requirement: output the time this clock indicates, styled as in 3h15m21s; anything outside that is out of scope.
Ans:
5h58m13s
